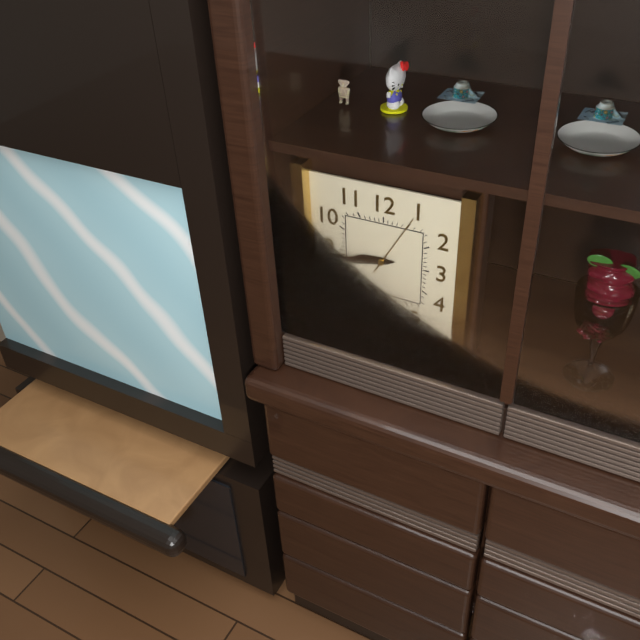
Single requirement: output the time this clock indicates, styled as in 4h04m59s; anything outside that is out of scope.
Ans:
8h43m05s
